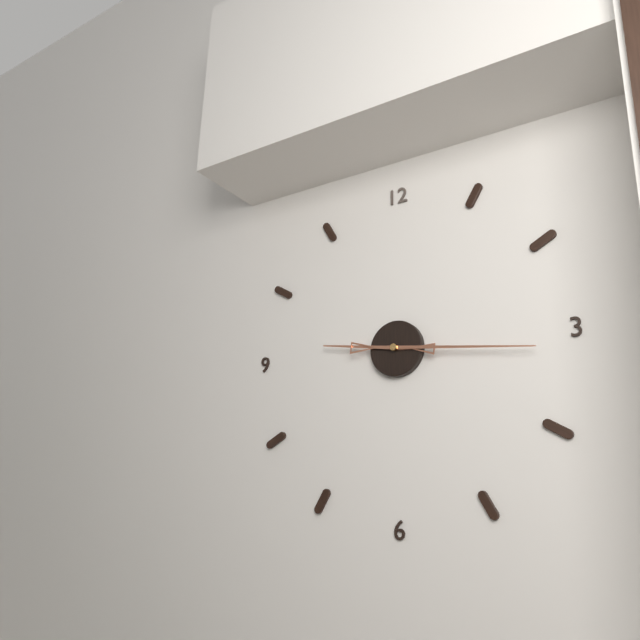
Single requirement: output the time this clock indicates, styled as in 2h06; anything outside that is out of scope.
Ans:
9h16
